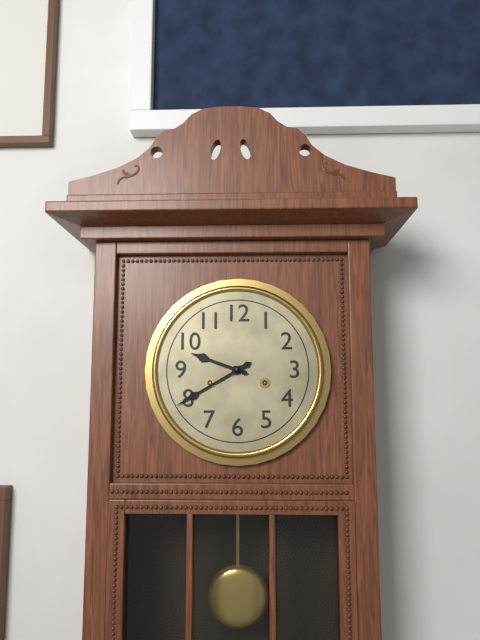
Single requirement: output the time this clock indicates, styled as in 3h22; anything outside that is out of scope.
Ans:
9h40
